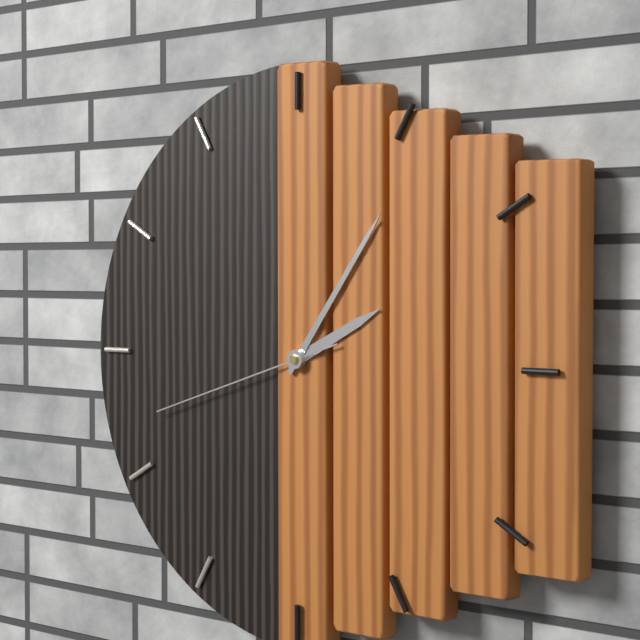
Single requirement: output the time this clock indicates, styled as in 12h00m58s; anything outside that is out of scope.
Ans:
2h06m42s
